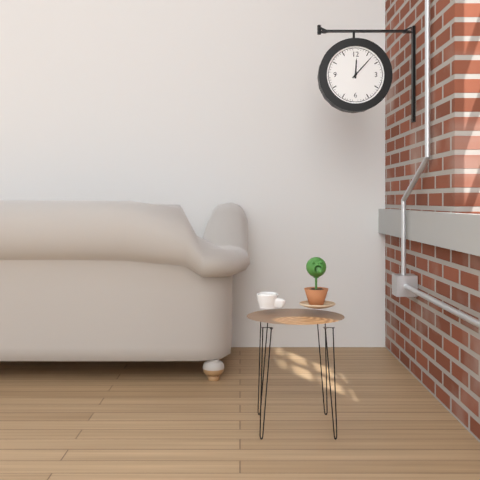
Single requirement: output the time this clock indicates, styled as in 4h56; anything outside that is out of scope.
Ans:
12h07
